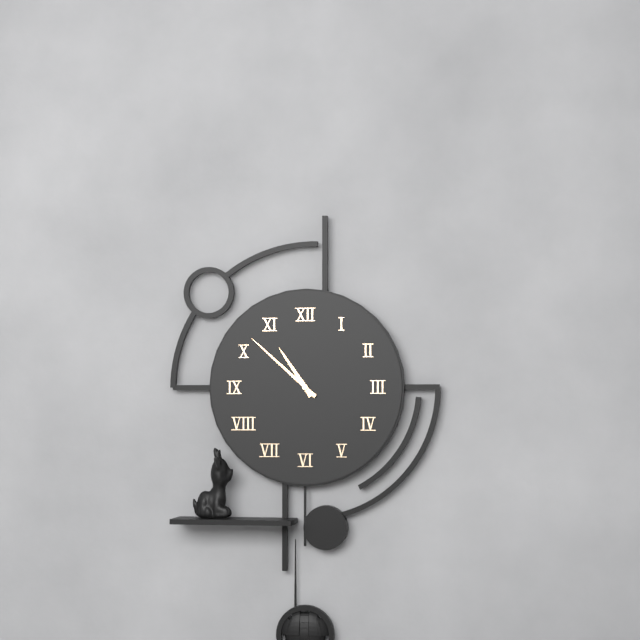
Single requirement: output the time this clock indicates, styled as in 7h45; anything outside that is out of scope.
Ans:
10h52
